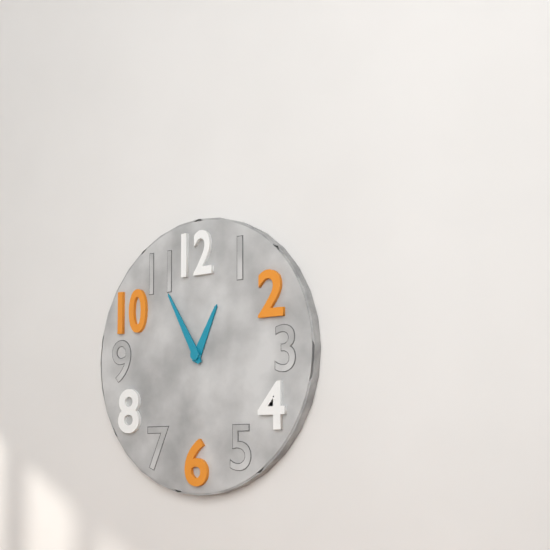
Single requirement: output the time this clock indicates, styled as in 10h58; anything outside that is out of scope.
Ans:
12h55
